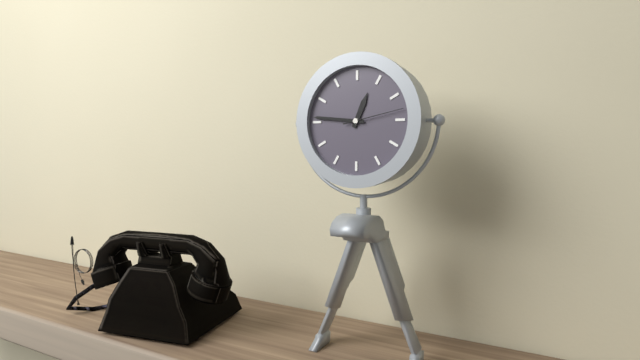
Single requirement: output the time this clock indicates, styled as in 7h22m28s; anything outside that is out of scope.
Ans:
12h46m13s
